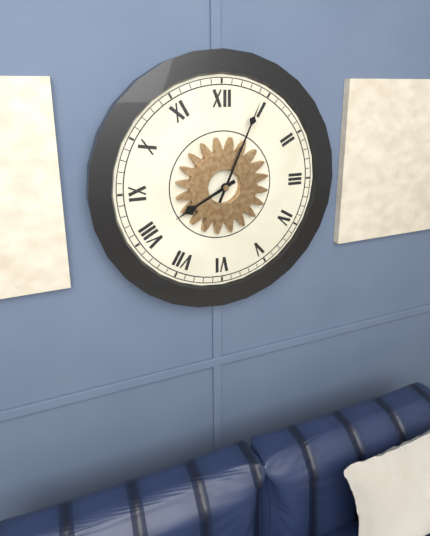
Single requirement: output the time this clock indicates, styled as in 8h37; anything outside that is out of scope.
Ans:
8h04
